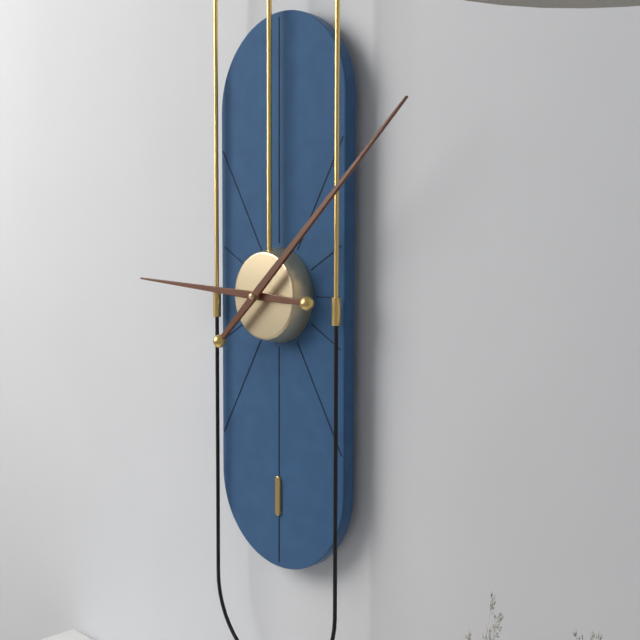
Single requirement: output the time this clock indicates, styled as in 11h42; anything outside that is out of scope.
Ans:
9h08
